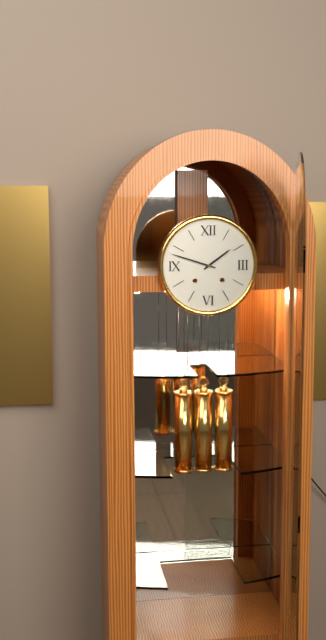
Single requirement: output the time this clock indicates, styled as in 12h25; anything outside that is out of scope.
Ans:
1h48
